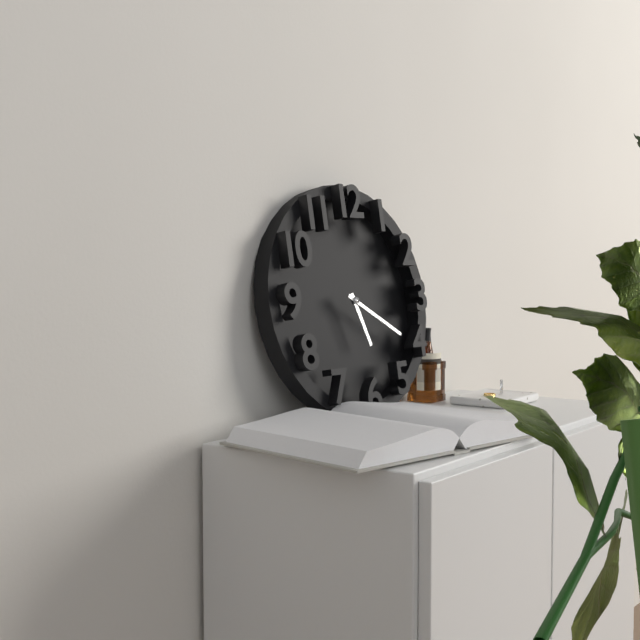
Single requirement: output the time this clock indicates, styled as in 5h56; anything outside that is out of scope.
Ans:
5h20
